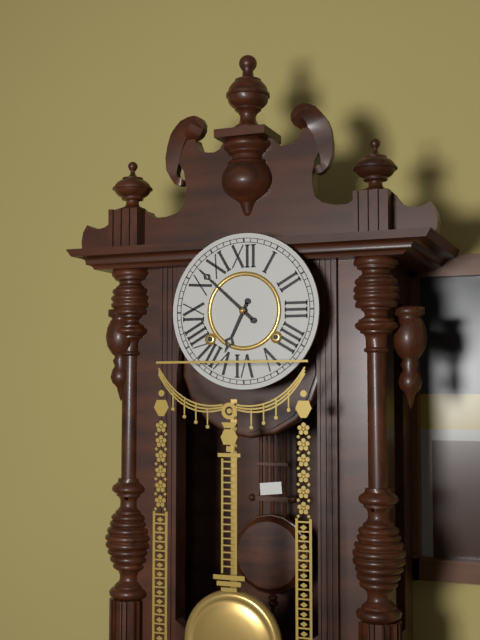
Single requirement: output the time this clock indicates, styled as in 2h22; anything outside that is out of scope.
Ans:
6h52
